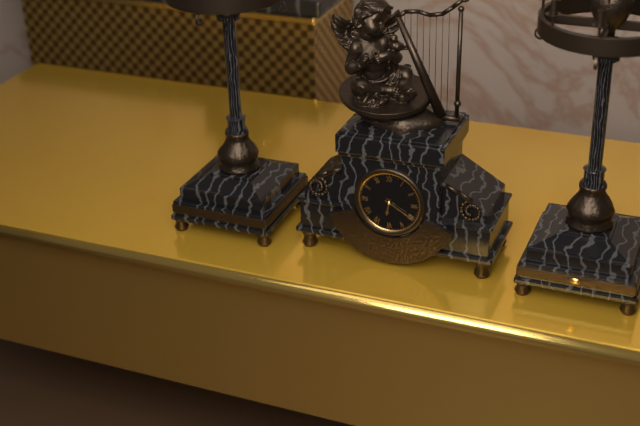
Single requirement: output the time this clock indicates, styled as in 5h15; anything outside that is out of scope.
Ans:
6h20
